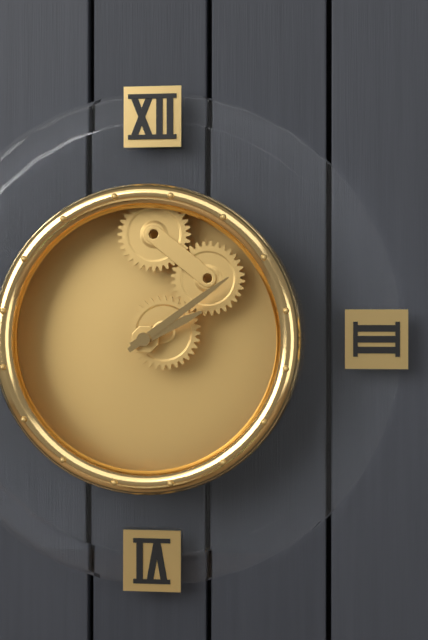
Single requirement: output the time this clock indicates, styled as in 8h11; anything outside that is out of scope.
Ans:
2h09
